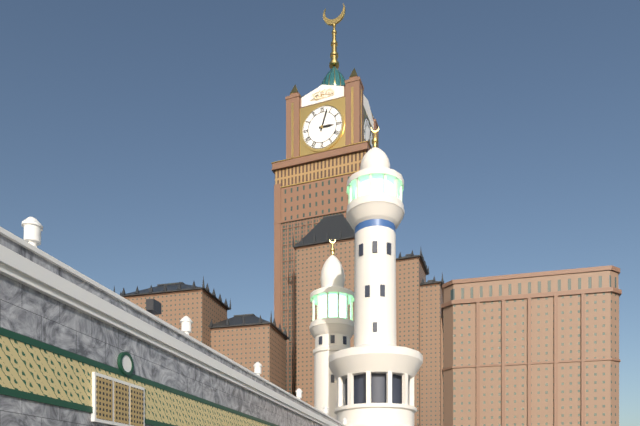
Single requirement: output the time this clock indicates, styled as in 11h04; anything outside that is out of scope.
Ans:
3h03
